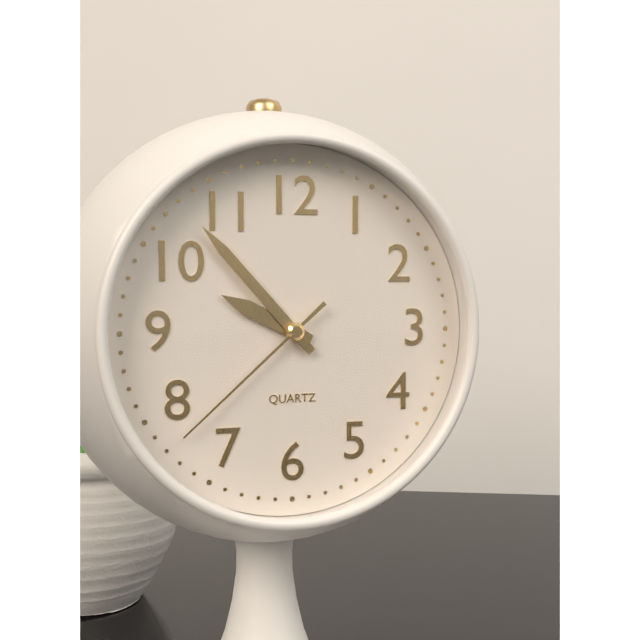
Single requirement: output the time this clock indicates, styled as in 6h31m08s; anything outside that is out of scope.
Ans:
9h53m38s
